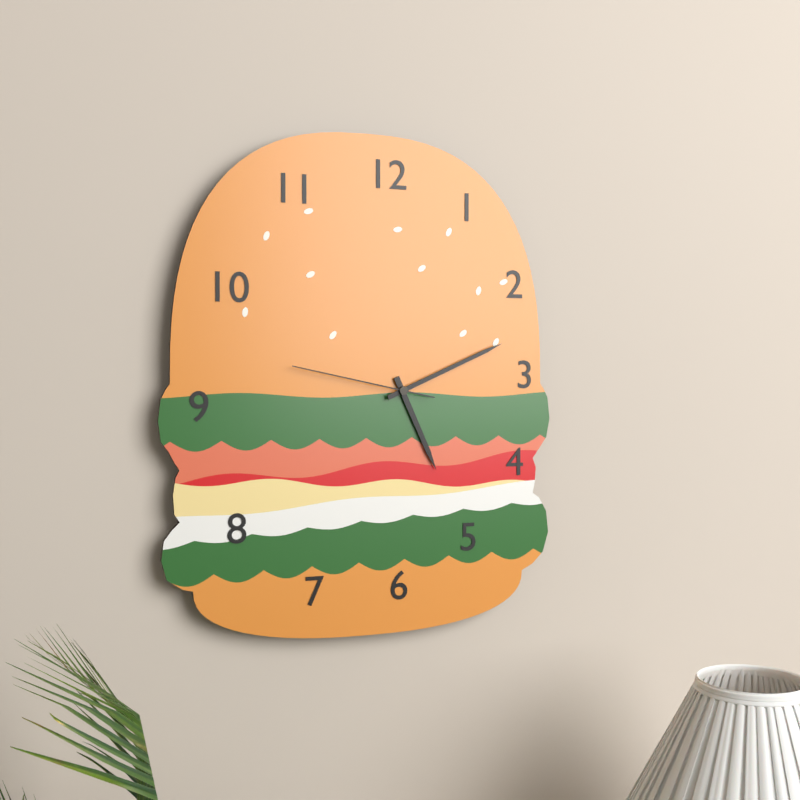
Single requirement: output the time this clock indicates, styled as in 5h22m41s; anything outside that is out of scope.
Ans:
5h11m47s
